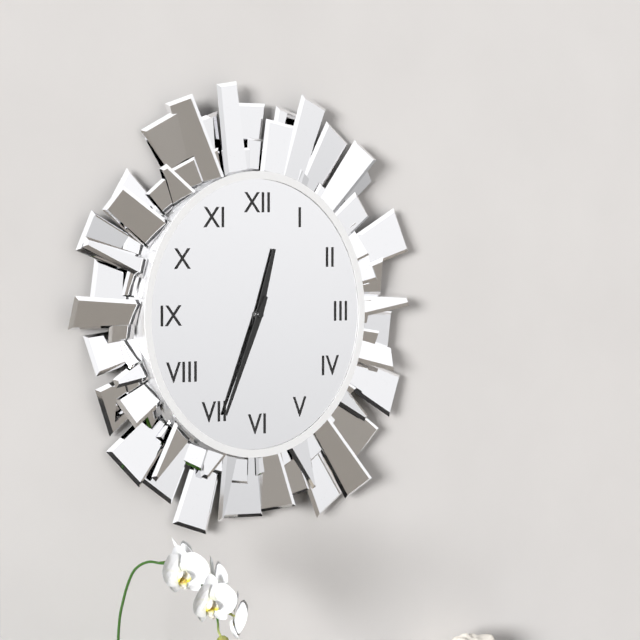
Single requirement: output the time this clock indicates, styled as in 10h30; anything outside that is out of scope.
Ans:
12h34
